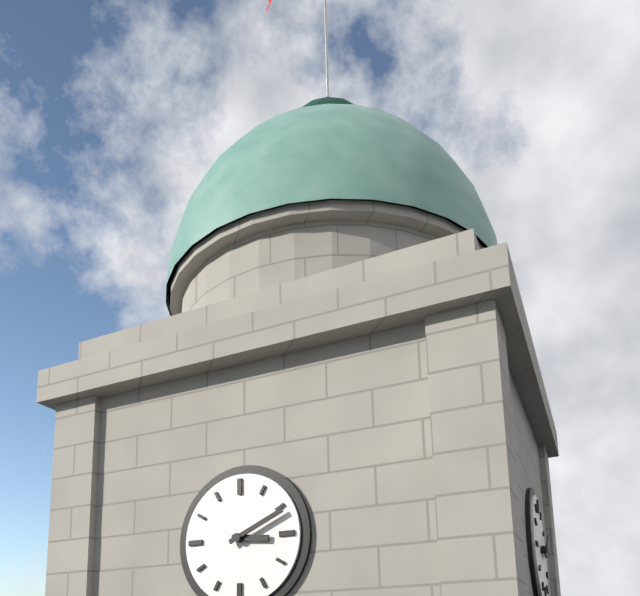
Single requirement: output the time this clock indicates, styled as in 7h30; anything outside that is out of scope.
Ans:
3h11
